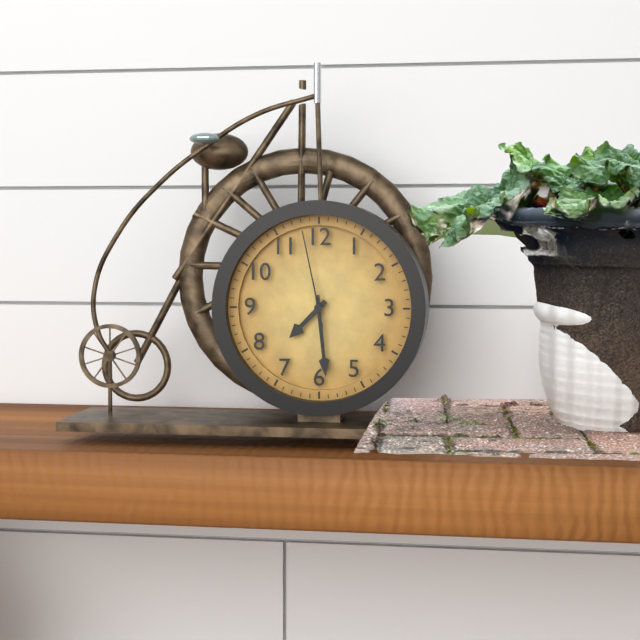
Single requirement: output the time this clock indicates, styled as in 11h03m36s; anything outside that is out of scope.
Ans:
7h29m58s
